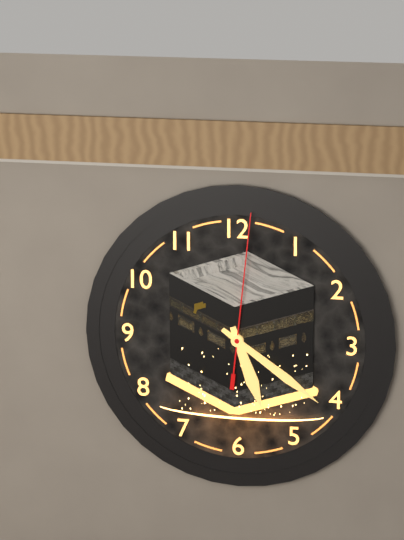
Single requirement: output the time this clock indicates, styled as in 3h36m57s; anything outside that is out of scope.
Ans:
5h21m01s
